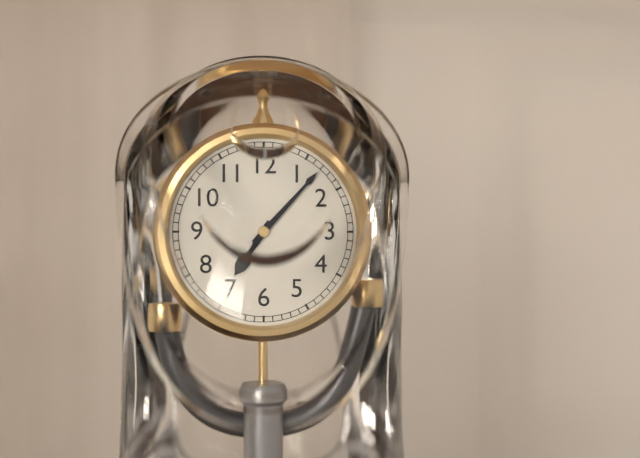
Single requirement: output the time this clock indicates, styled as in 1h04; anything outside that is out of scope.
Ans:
7h07
